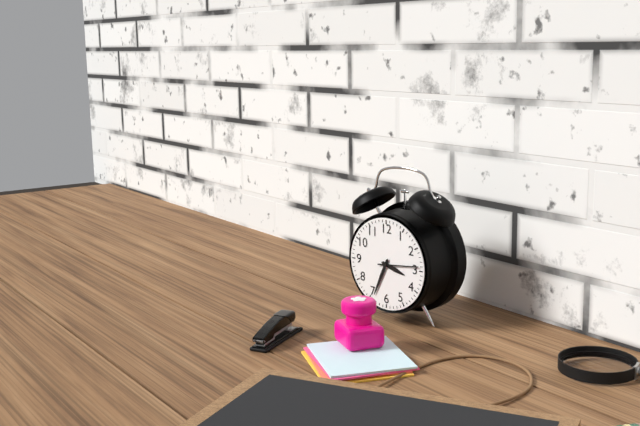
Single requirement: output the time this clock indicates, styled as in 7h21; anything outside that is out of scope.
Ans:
3h34
